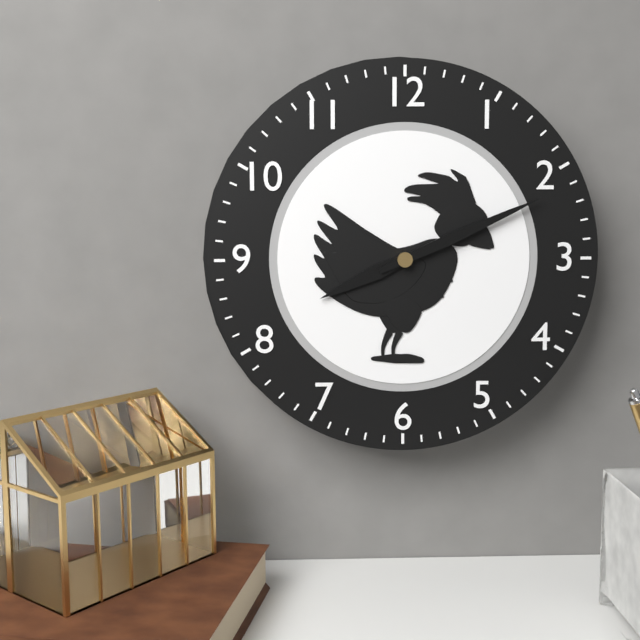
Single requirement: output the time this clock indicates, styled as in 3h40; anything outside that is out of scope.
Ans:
8h11
